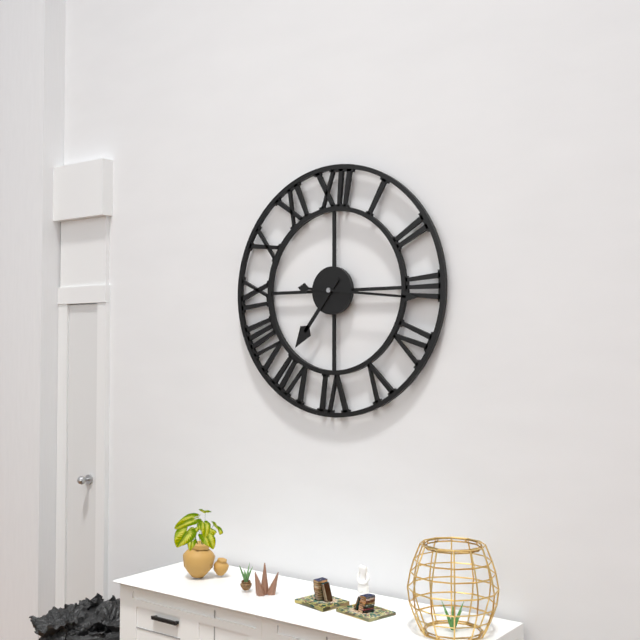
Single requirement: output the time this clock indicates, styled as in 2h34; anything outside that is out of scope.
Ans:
7h16
